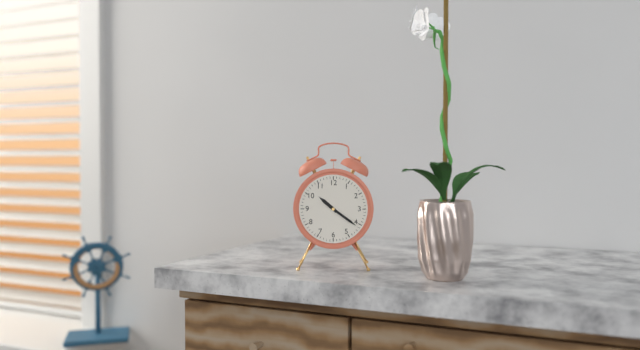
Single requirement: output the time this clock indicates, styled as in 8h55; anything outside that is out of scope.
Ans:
10h21
